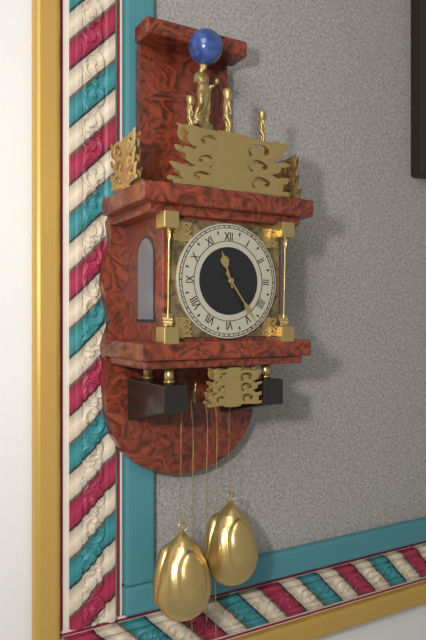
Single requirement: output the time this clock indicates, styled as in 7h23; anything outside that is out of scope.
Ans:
11h24
